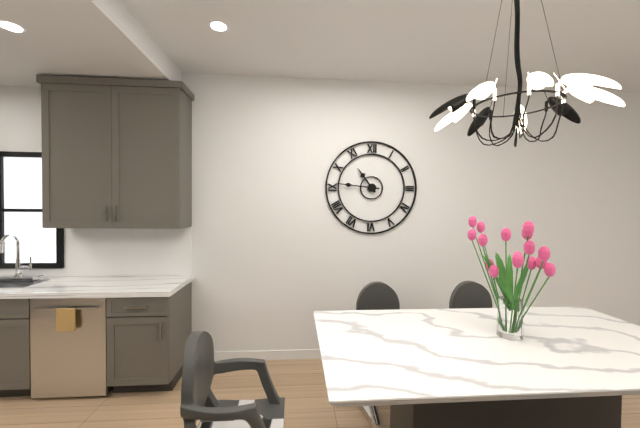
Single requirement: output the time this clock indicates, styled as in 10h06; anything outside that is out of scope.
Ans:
10h46
